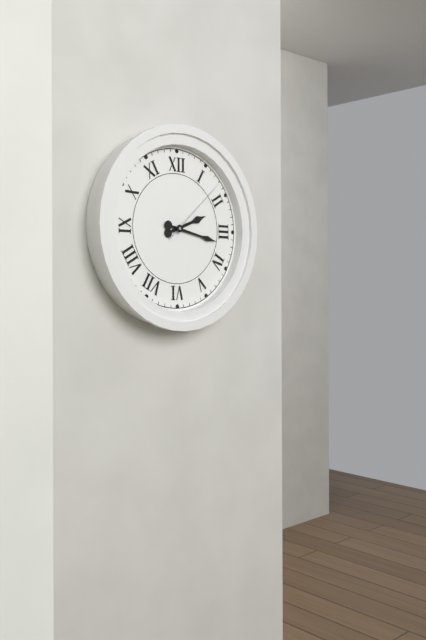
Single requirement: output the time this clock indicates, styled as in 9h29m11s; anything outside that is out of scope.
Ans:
2h17m08s
